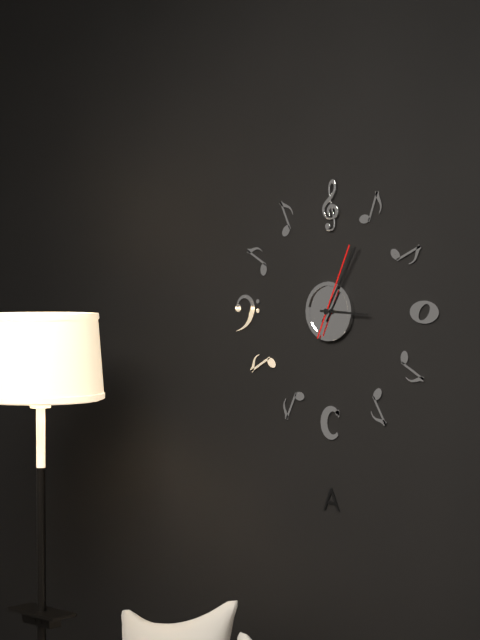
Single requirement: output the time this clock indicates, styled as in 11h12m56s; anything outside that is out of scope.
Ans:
3h05m04s
